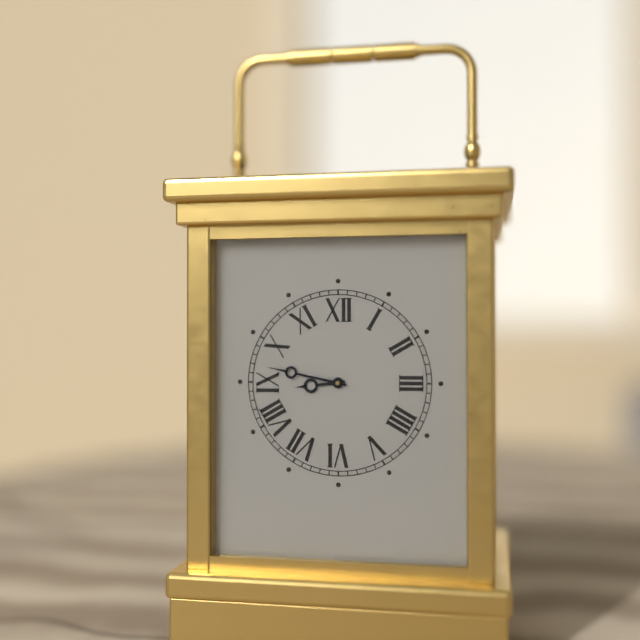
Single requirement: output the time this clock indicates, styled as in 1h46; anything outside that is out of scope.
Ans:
8h47
